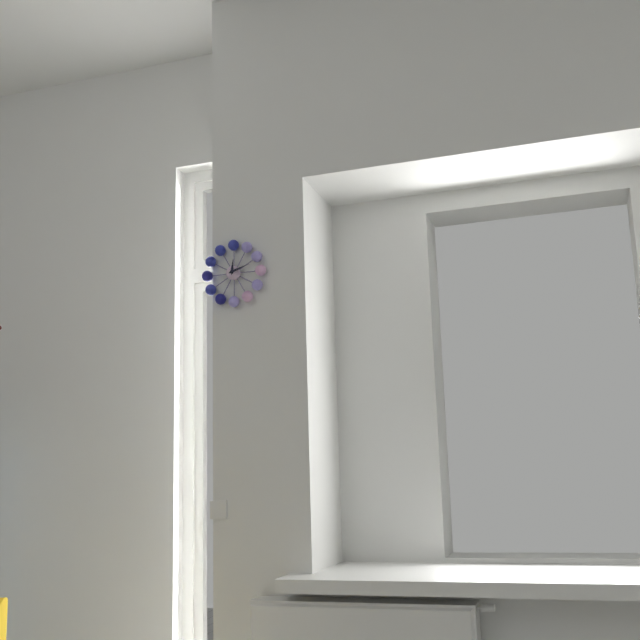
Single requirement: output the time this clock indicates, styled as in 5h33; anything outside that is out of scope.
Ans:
12h12
